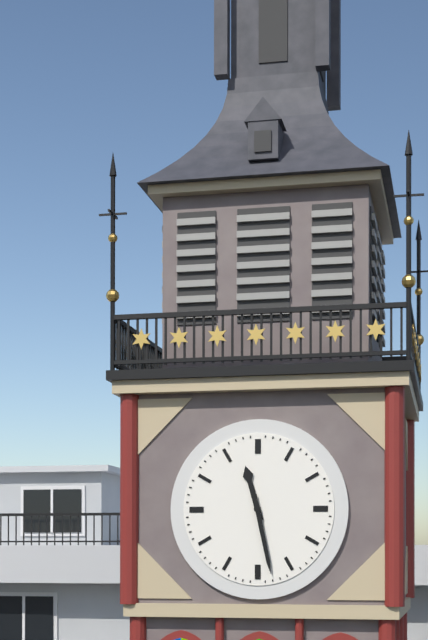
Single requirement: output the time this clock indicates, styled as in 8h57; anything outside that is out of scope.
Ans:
11h28
